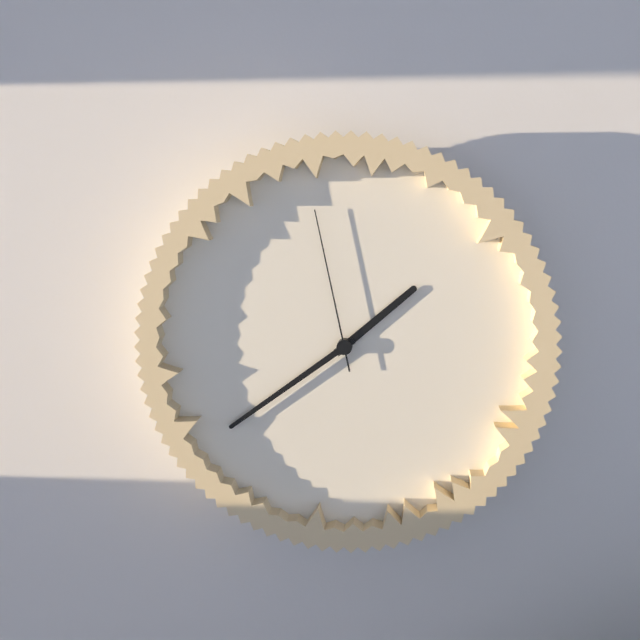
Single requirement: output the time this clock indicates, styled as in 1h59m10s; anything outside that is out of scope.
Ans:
1h39m58s
